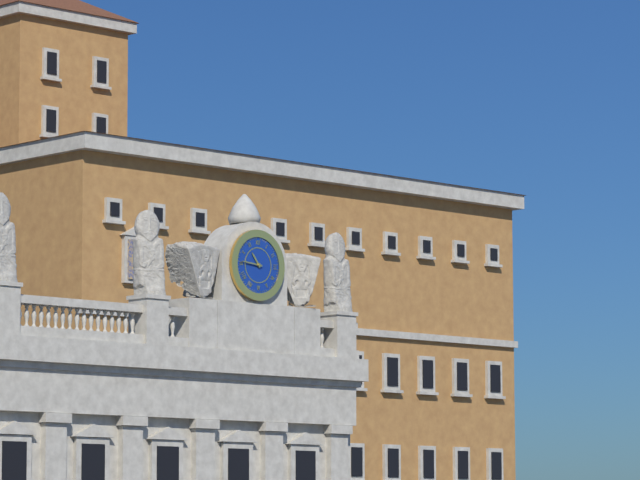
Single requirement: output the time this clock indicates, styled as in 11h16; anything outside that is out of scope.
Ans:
10h46
